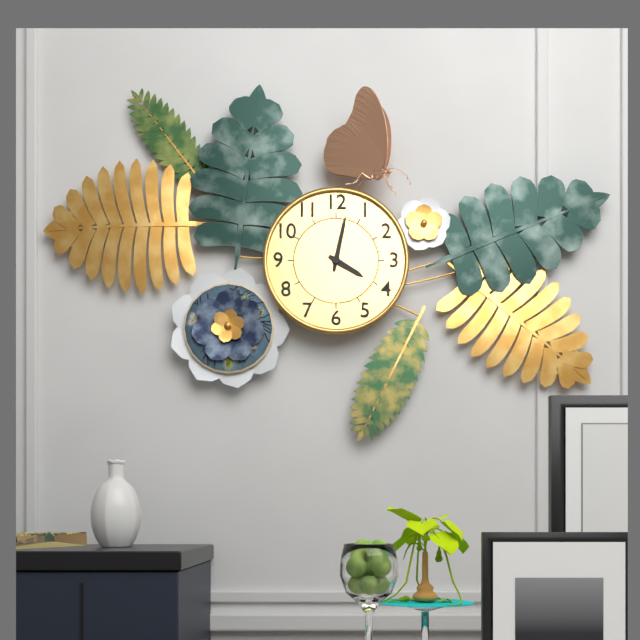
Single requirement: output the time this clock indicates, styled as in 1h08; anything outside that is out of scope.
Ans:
4h02
